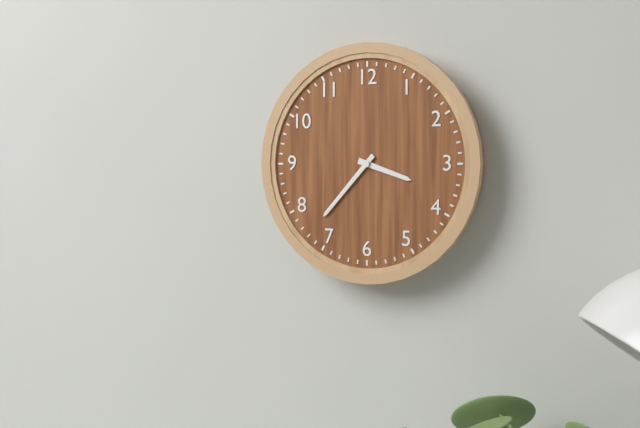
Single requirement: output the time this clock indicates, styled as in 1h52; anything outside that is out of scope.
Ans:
3h37
